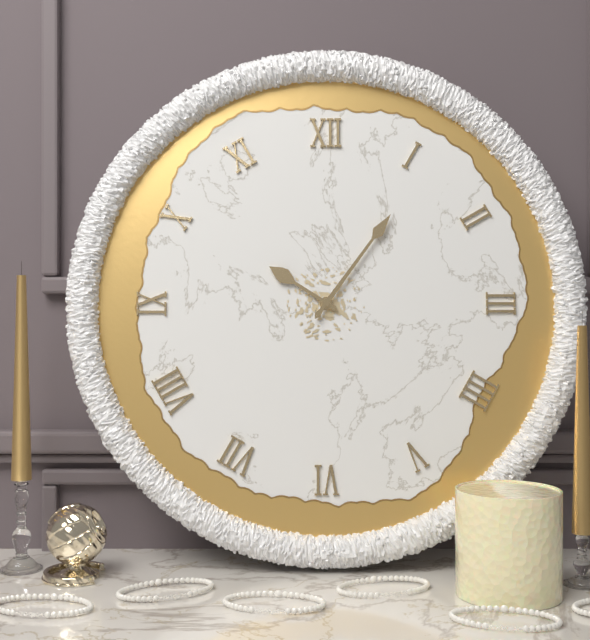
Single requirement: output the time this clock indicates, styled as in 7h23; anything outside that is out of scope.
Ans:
10h06
